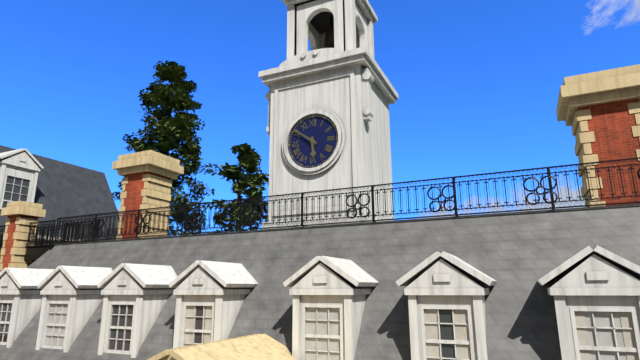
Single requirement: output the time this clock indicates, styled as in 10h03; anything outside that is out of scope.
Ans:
5h51
